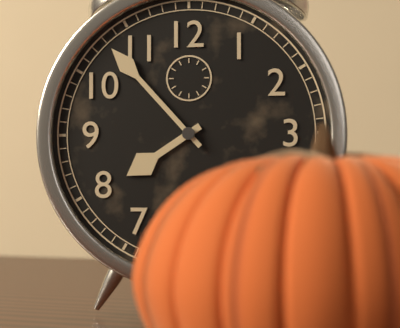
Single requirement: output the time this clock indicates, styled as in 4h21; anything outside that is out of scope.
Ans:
7h53
